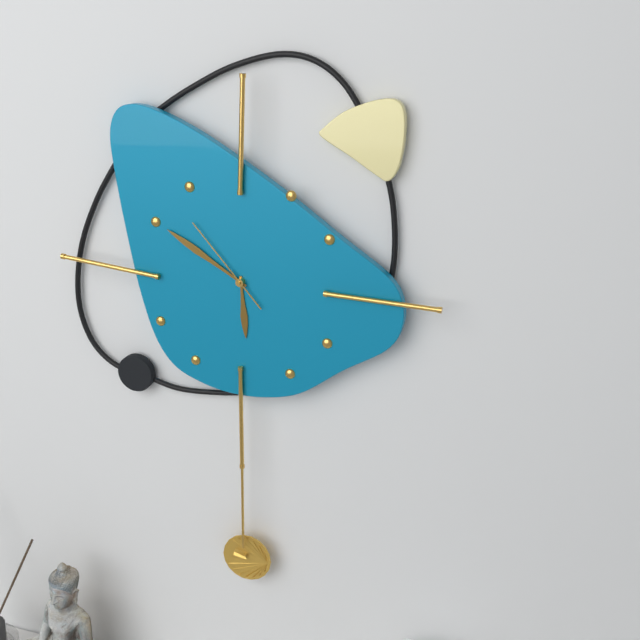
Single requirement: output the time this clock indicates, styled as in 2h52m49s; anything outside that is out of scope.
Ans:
5h50m53s
